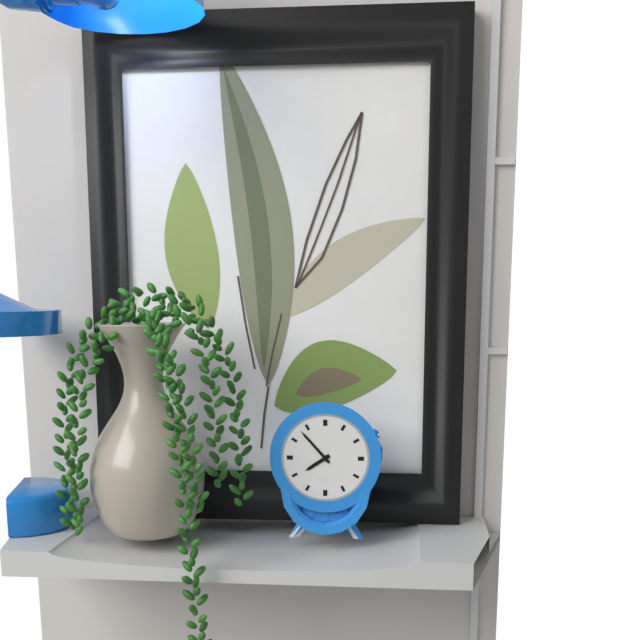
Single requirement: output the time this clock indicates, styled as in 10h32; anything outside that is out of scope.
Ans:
7h53
